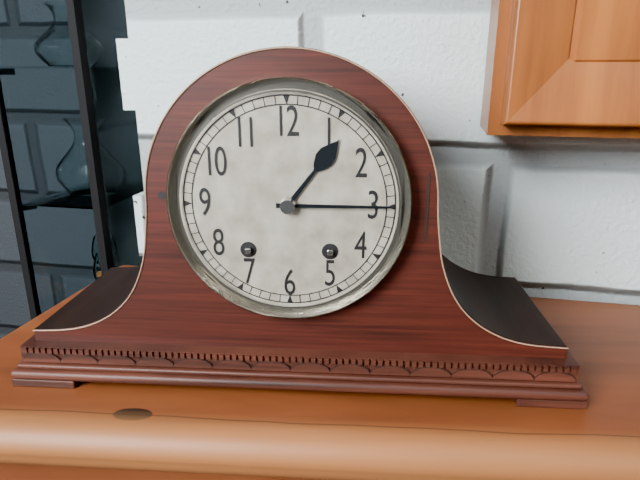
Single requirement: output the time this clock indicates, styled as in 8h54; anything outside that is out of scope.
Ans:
1h15
